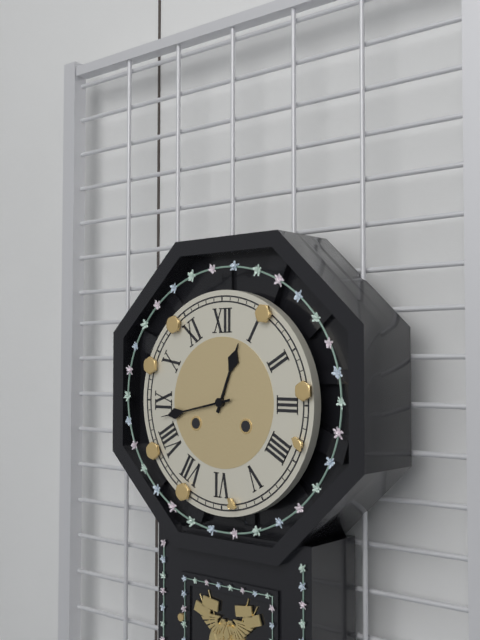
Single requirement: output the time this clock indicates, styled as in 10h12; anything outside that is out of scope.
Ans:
12h43
